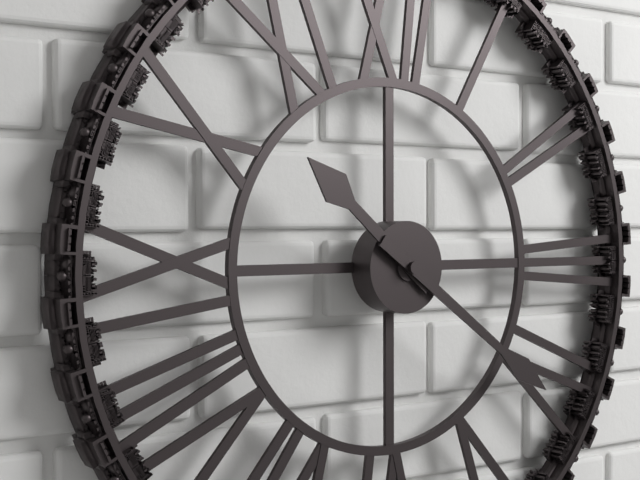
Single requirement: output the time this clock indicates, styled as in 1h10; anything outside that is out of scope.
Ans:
10h21
